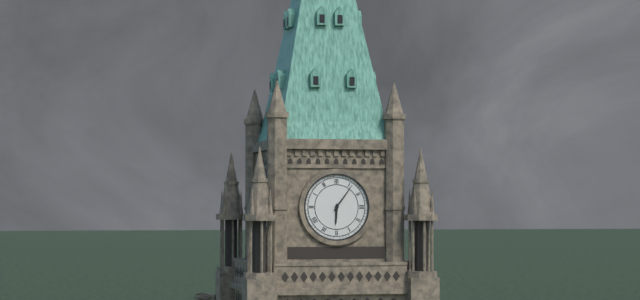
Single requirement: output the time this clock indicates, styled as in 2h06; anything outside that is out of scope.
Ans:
6h06
